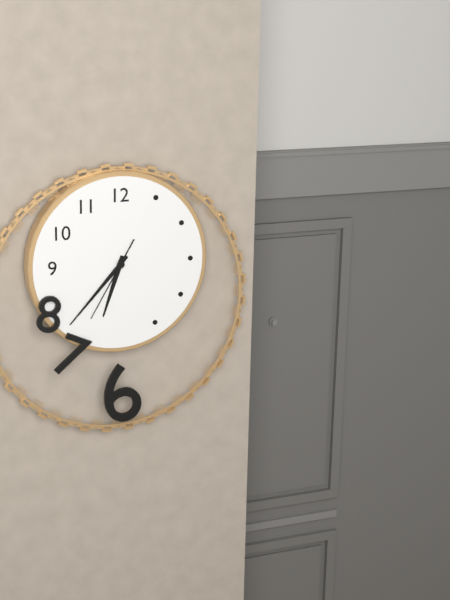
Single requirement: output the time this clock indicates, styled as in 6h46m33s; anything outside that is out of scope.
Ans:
6h37m35s
